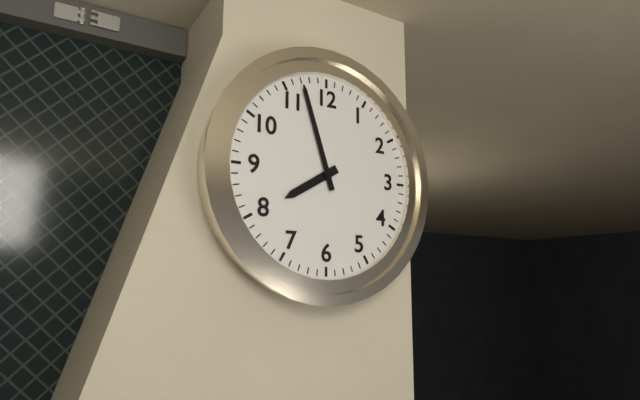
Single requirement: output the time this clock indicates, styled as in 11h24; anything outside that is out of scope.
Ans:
7h57
